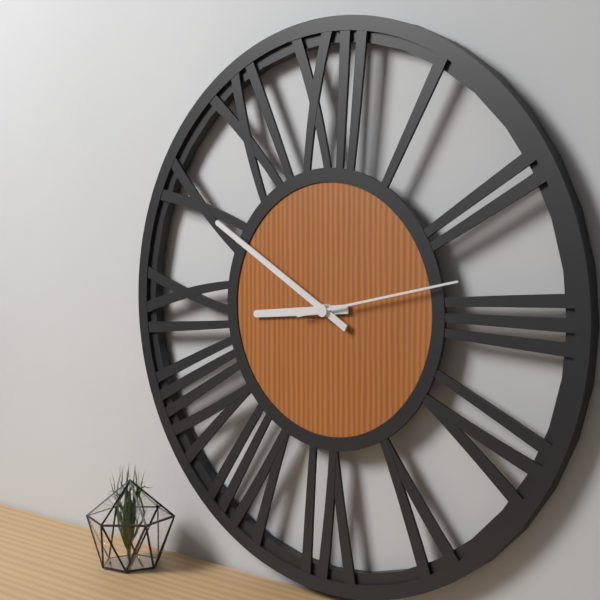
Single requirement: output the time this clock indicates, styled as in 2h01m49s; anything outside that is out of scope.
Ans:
8h50m13s
